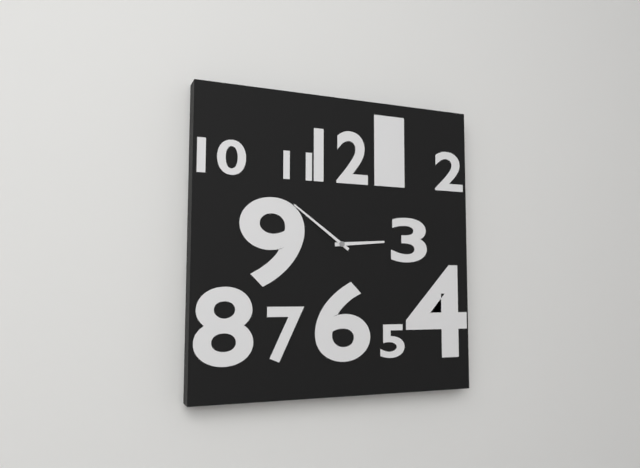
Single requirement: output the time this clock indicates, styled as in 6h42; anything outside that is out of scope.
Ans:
2h51
